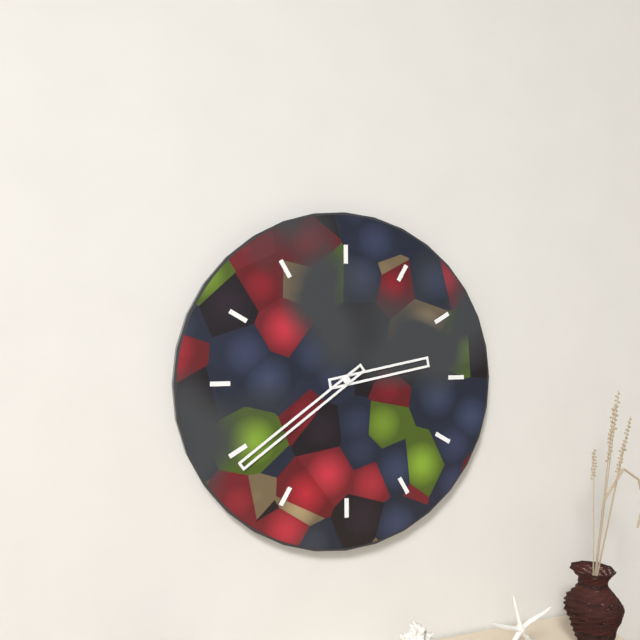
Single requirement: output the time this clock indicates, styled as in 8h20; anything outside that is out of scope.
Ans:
2h39
